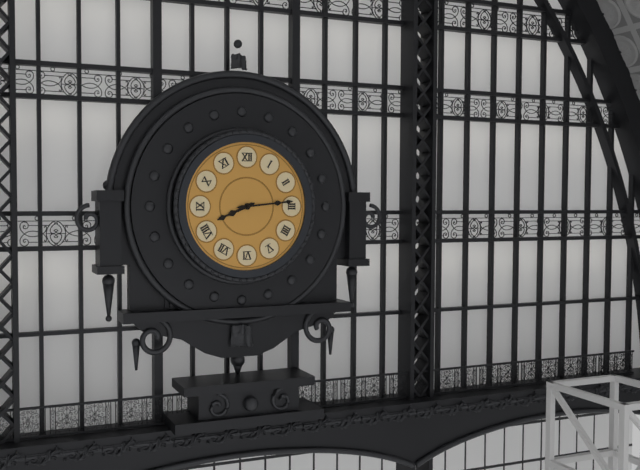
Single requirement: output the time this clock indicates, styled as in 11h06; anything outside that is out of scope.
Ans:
8h14
